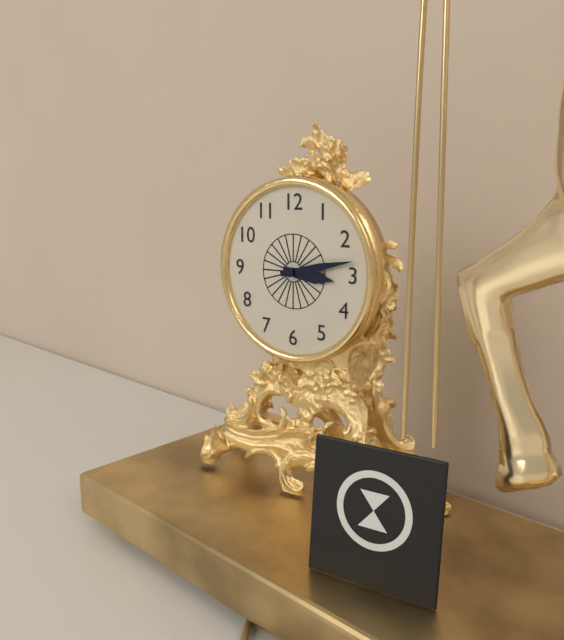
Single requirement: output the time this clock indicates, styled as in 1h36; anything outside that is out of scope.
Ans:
3h13
